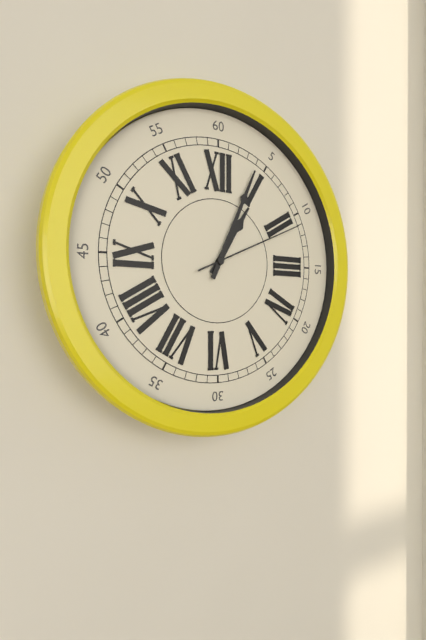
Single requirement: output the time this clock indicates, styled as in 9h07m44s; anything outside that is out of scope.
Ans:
1h04m11s
